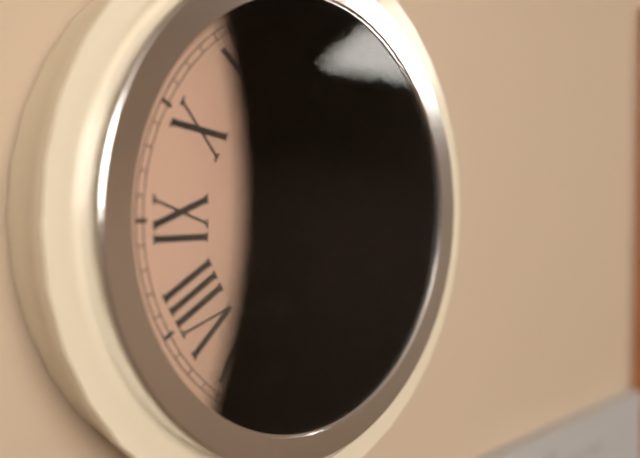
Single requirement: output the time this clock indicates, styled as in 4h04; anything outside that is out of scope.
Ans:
7h06
